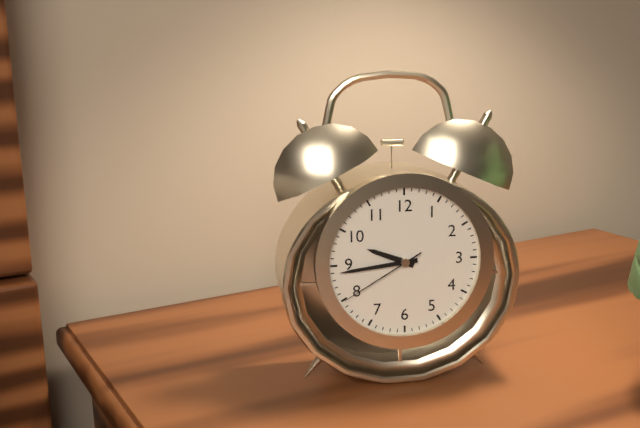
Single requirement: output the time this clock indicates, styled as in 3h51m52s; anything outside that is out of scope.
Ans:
9h44m40s
